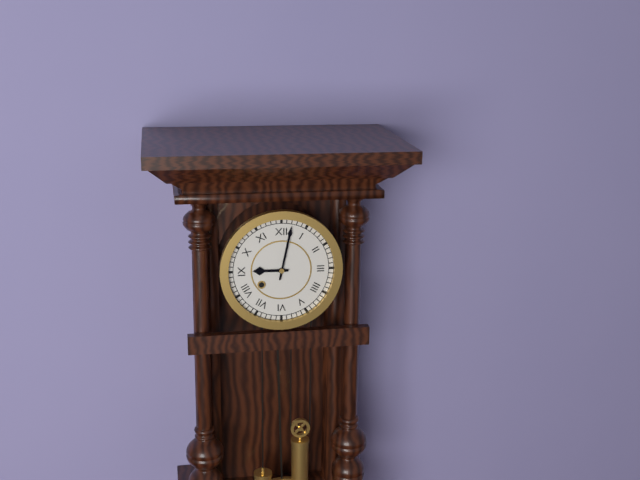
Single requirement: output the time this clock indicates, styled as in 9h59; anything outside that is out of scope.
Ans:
9h02
